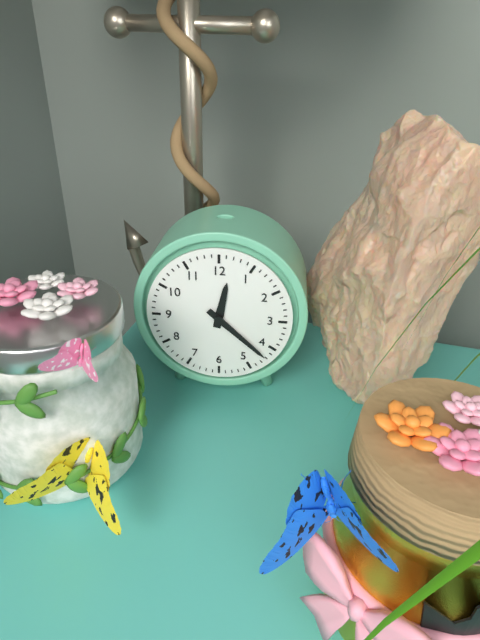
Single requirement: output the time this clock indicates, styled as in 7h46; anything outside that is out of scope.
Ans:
12h22
